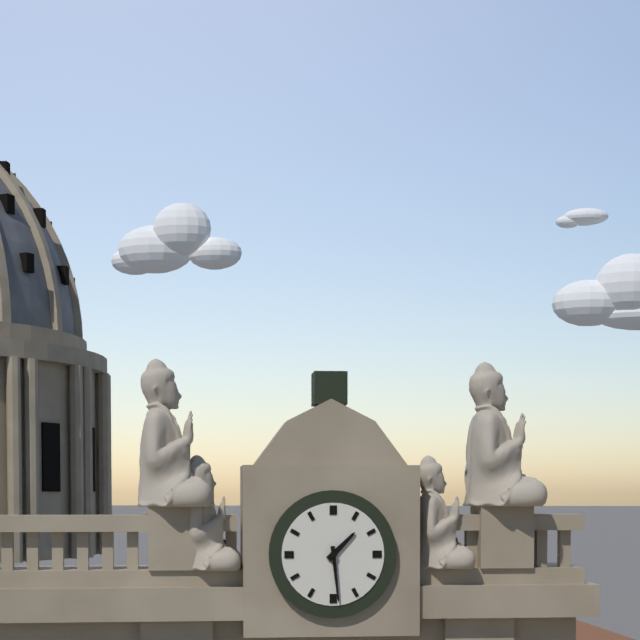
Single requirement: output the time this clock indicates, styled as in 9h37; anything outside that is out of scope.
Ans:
1h29
